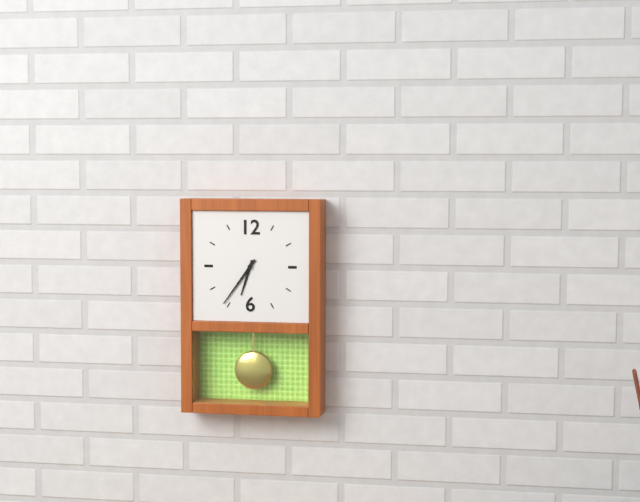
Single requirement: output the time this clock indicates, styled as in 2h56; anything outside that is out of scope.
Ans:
6h36
